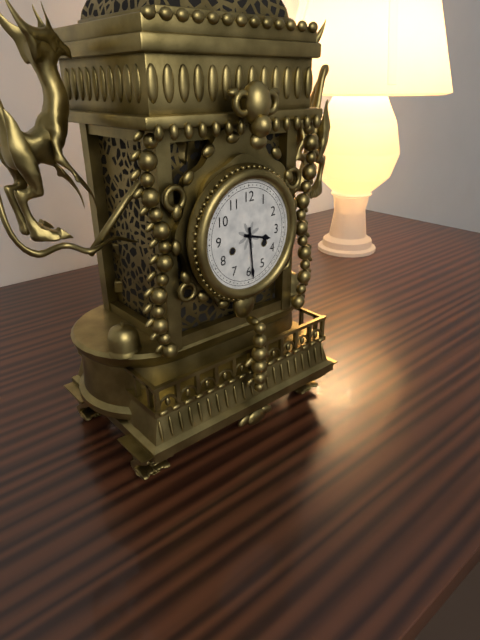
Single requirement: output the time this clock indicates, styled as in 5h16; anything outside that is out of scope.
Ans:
3h29
